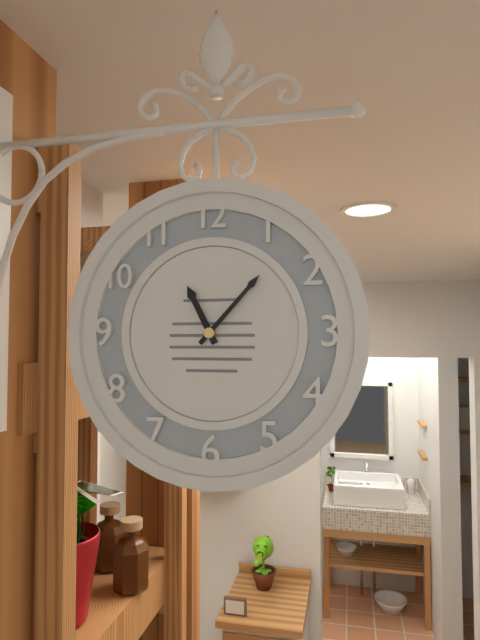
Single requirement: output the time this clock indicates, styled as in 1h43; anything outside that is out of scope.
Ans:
11h07
